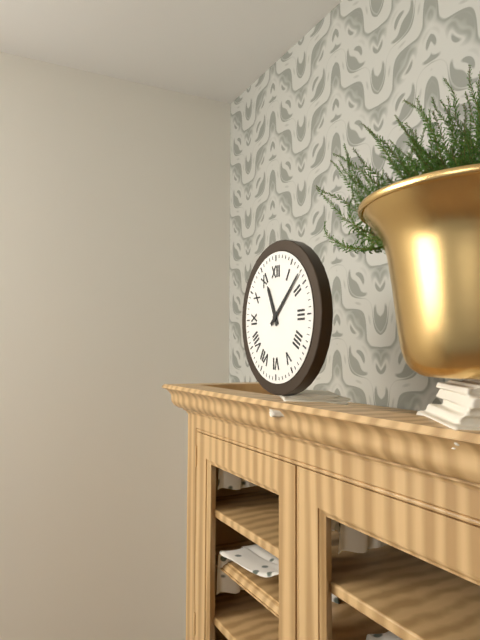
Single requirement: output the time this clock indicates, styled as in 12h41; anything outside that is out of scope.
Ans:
11h08
